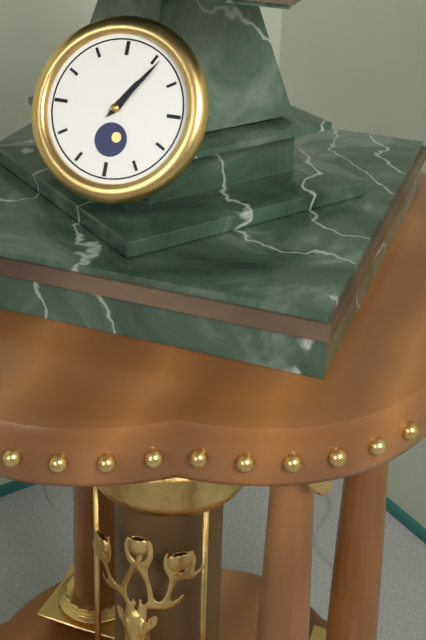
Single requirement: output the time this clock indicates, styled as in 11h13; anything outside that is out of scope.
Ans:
1h06
